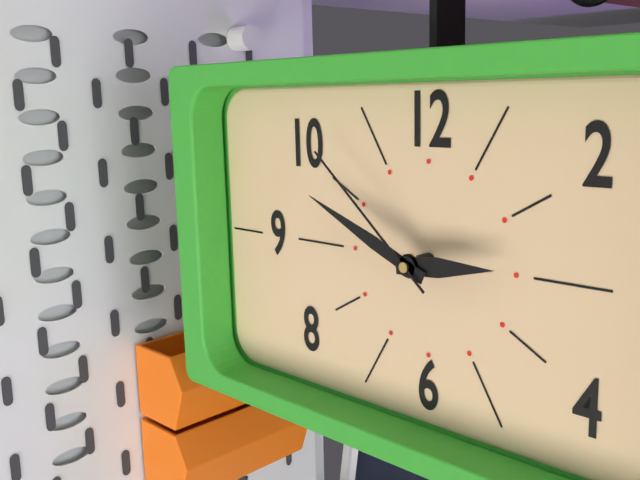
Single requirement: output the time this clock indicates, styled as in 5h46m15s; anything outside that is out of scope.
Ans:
2h49m52s
